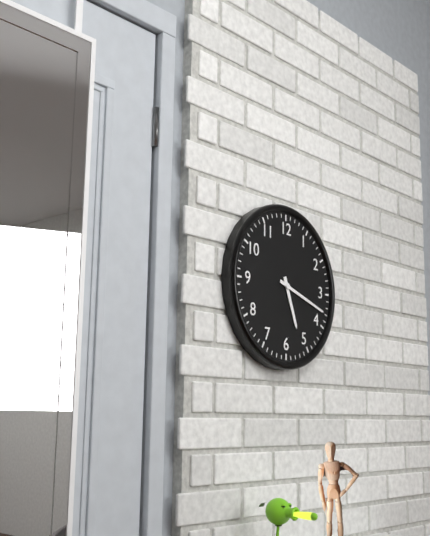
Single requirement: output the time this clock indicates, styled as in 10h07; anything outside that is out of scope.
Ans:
5h18
